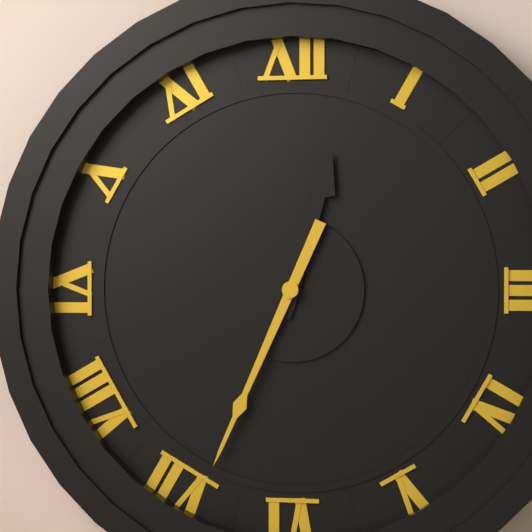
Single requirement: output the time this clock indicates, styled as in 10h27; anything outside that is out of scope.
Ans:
12h34
